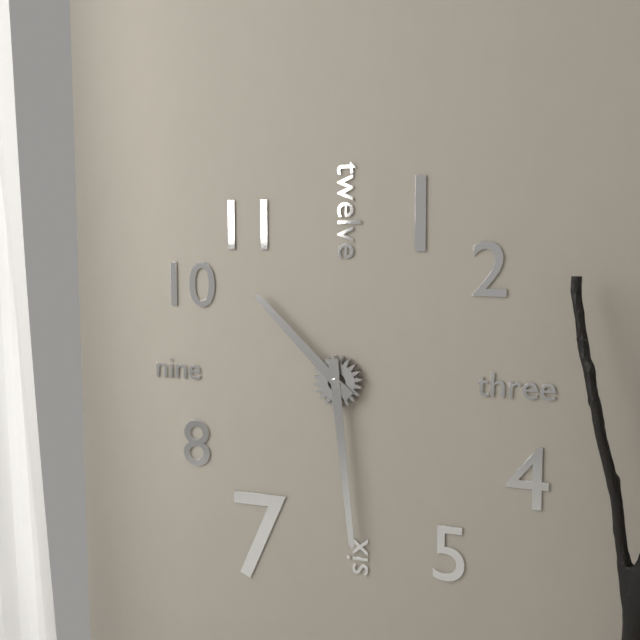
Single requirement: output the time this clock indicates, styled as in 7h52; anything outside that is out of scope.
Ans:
10h29
